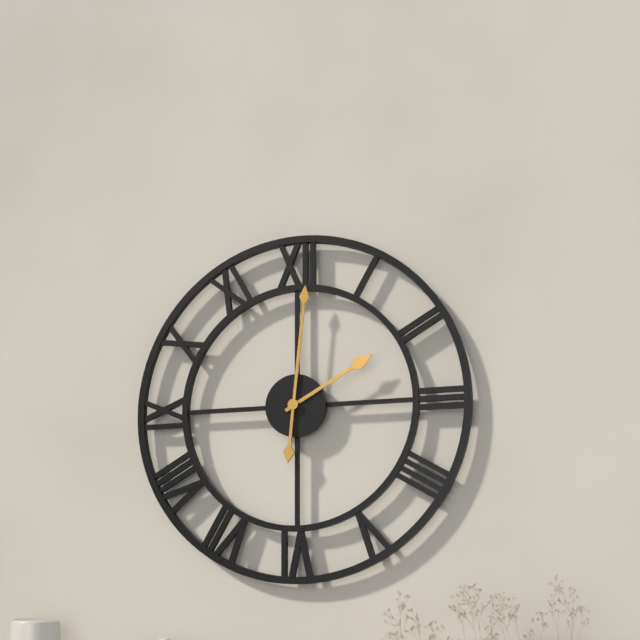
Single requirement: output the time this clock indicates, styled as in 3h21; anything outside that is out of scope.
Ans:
2h01
